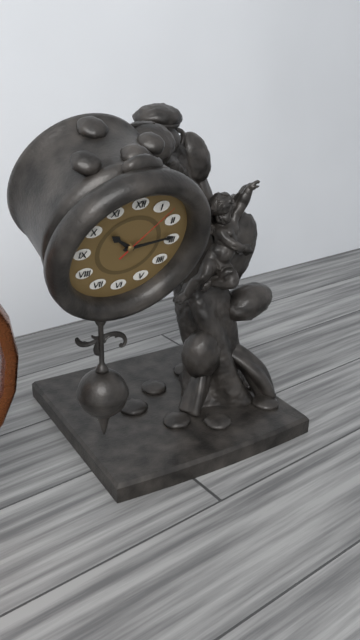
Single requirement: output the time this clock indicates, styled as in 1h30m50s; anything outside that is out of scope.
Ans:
10h14m07s
